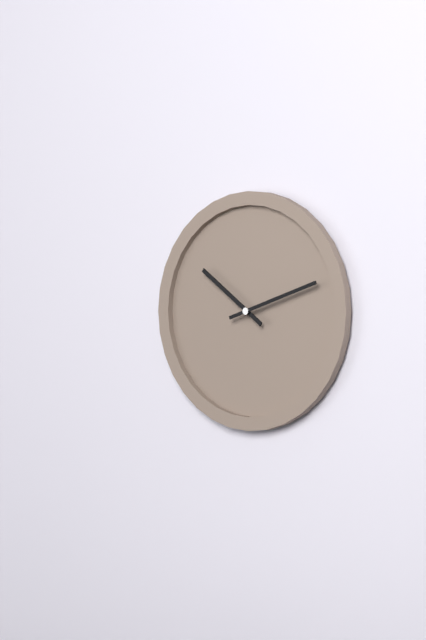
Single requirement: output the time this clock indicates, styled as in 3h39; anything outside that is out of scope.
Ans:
10h12
